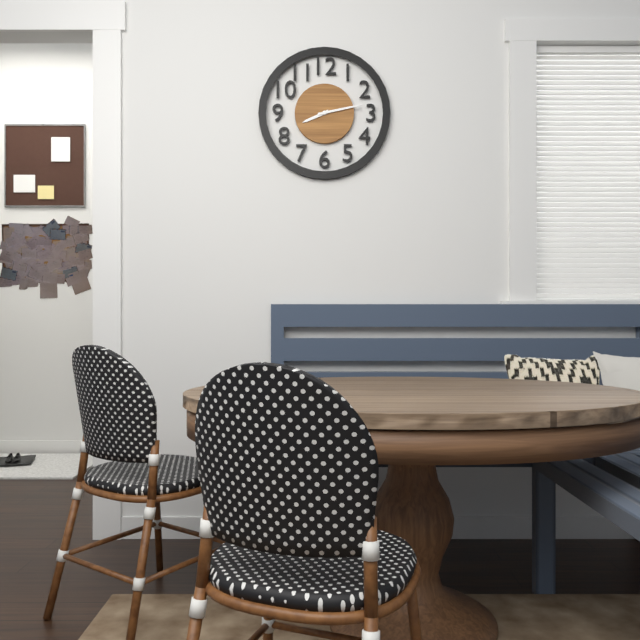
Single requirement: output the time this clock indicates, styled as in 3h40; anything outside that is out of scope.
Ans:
8h13
